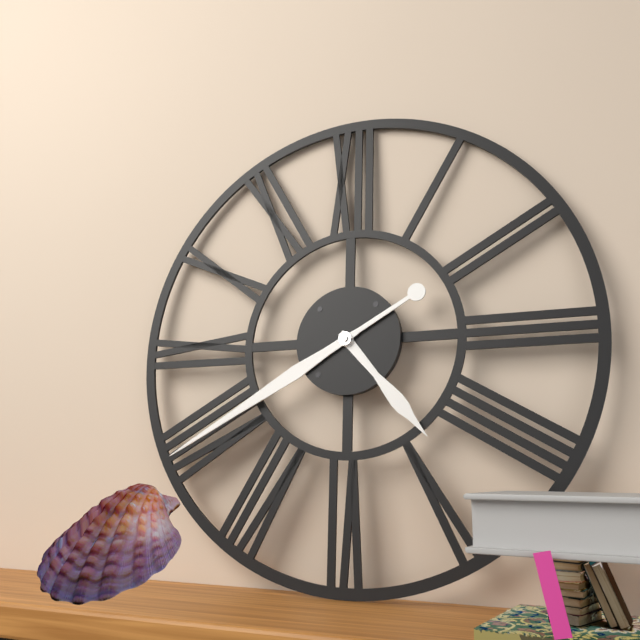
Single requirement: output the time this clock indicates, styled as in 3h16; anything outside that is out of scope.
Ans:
4h40
